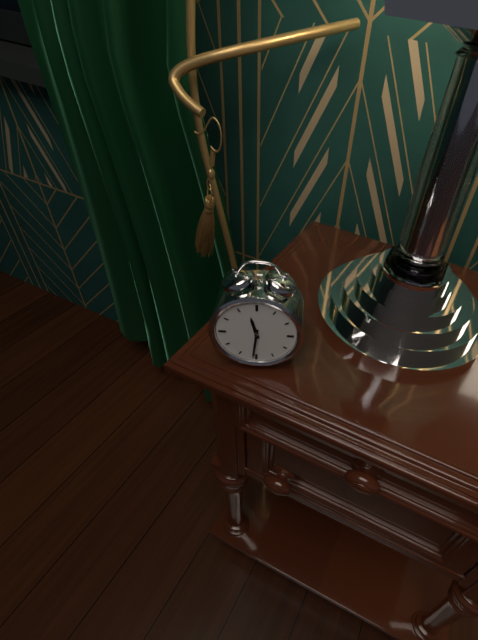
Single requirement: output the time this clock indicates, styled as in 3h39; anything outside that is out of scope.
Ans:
11h31
